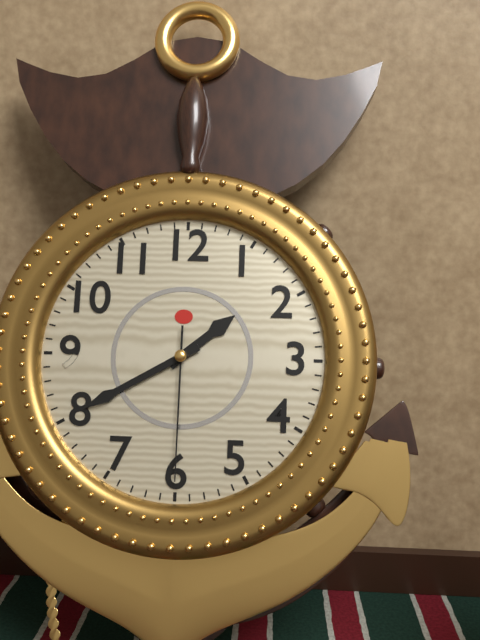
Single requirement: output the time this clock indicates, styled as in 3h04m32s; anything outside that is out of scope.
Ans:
1h40m30s
